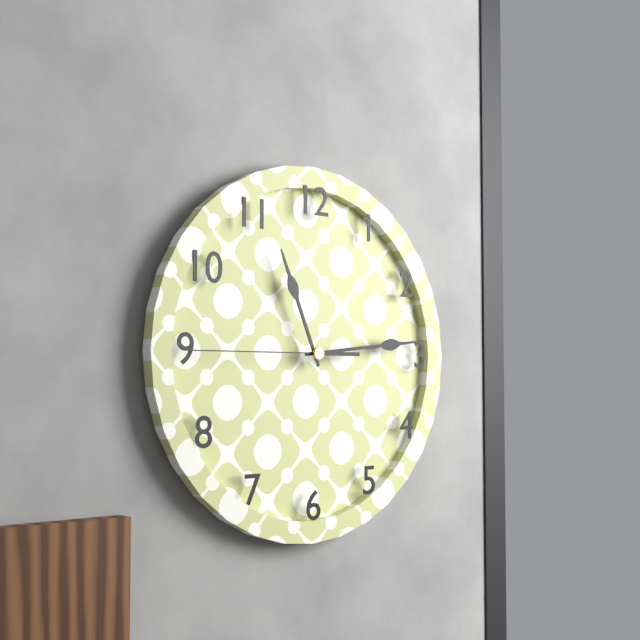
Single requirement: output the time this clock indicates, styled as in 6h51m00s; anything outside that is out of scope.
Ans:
11h14m45s
